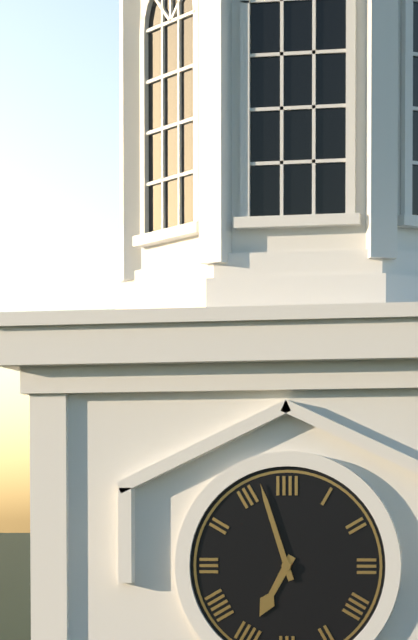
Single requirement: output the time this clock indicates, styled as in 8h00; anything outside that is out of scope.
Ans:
6h57
